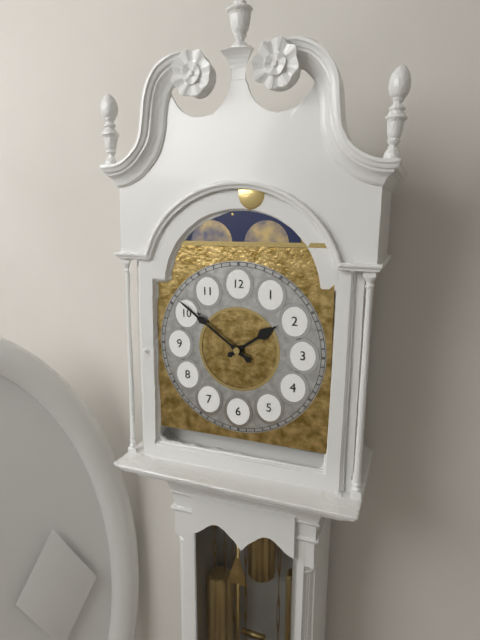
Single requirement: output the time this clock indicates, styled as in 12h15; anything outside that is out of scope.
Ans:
1h51
